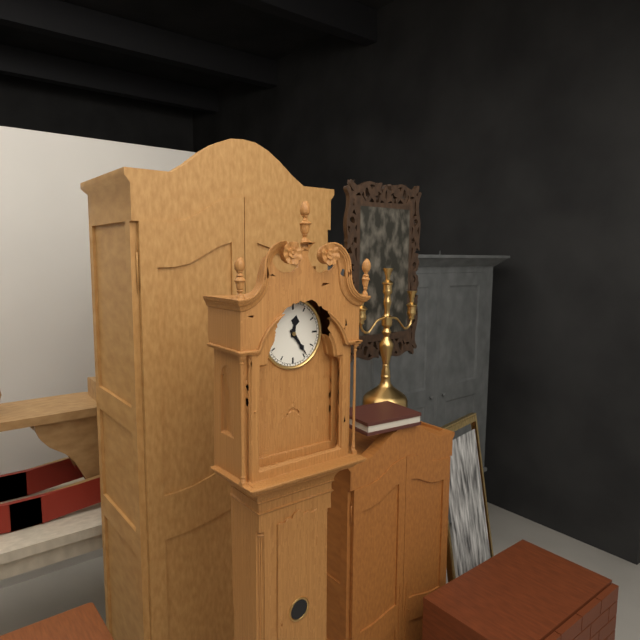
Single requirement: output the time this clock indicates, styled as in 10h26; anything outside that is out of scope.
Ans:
12h24
